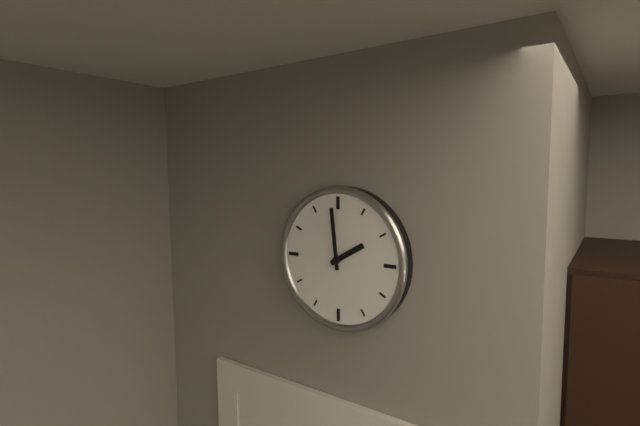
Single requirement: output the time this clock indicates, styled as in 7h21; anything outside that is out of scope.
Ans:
1h59
